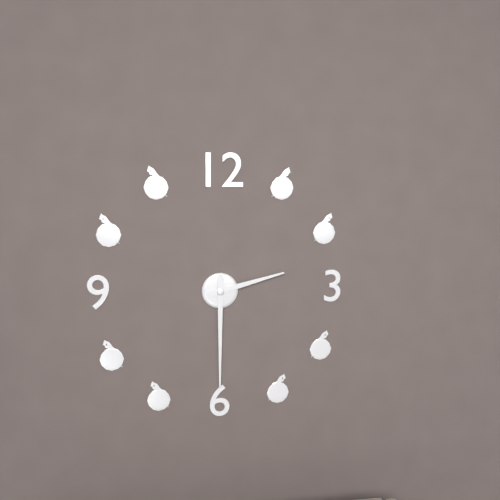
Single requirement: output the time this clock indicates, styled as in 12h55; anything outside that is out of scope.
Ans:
2h30
